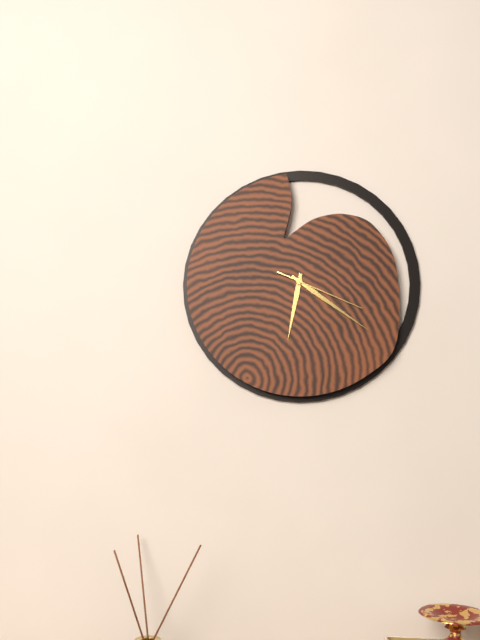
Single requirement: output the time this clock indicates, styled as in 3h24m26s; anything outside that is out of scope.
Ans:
6h21m19s
